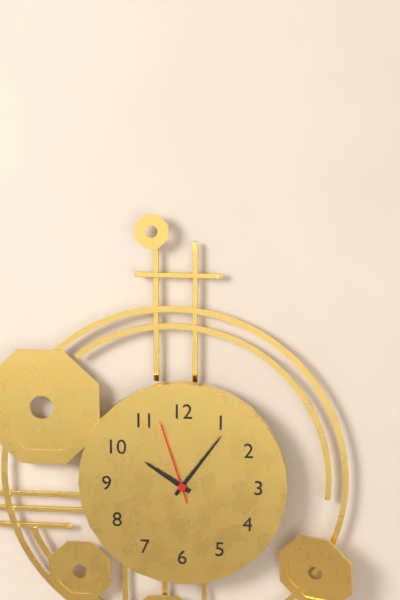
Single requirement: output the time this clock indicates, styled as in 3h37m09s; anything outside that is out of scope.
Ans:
10h06m57s
